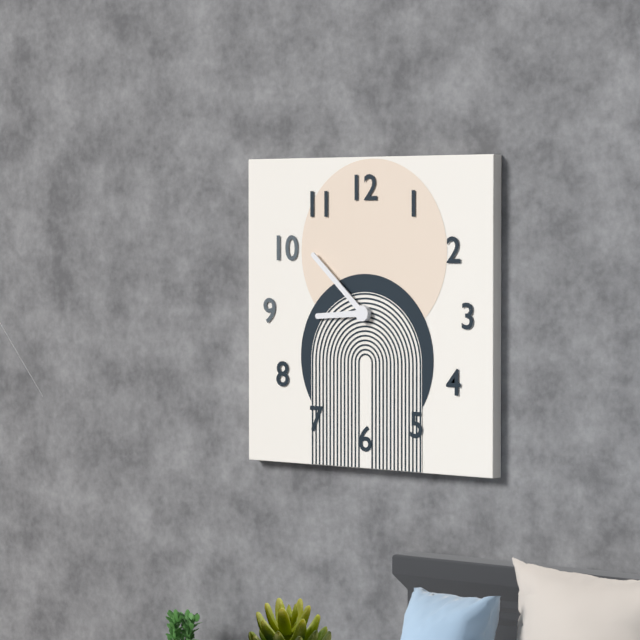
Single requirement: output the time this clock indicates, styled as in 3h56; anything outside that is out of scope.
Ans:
8h52
